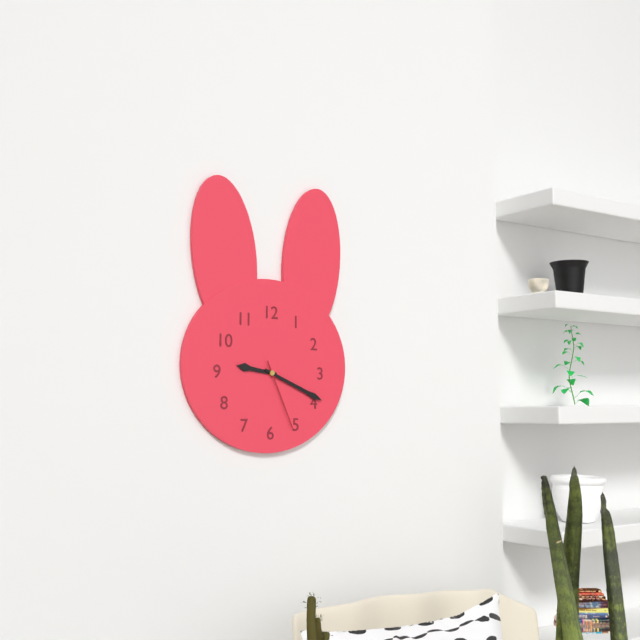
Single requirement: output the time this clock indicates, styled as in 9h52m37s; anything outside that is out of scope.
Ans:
9h19m26s
